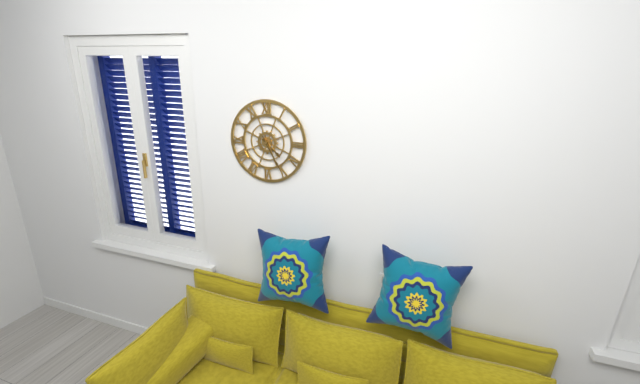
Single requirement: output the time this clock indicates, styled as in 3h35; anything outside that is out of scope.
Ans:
4h25
